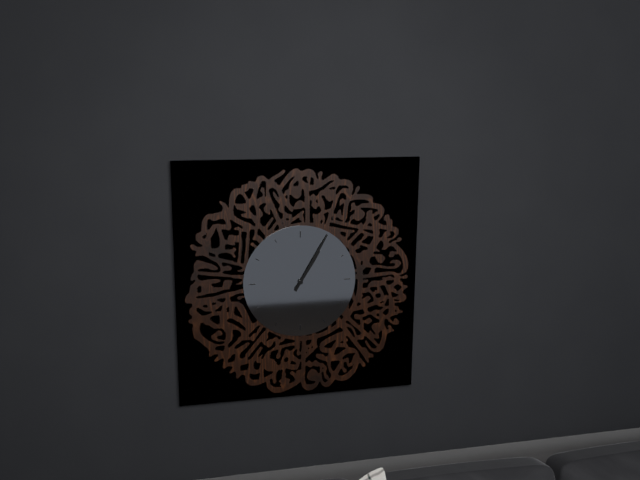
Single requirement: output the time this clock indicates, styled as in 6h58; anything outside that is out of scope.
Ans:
1h05
